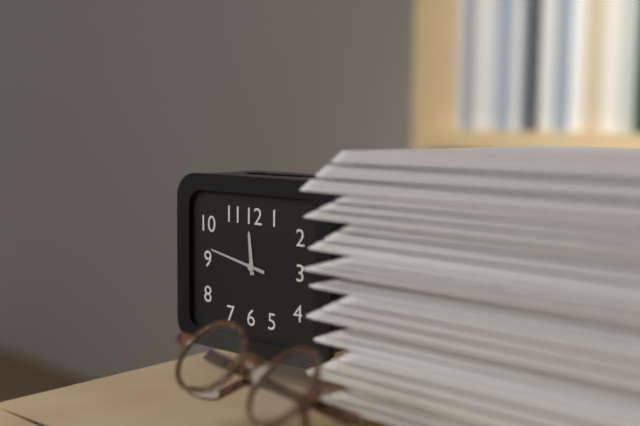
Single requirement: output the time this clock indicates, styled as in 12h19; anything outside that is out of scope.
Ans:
11h47
